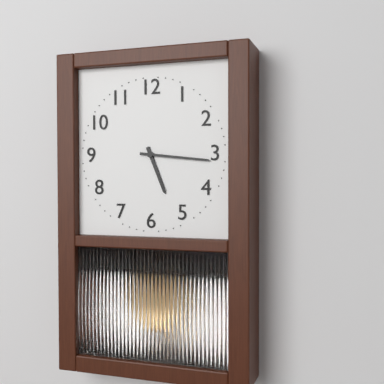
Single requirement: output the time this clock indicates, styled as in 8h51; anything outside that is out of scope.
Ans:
5h16
